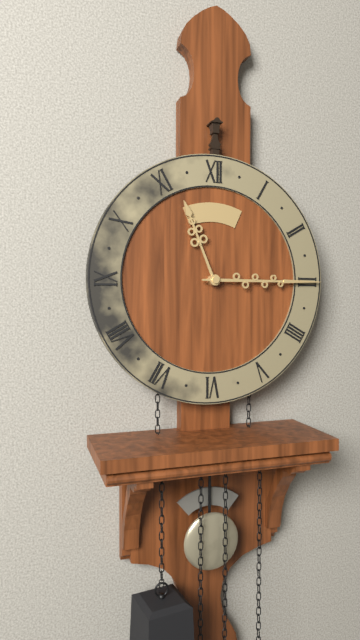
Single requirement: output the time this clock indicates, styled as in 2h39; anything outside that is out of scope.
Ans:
11h15
